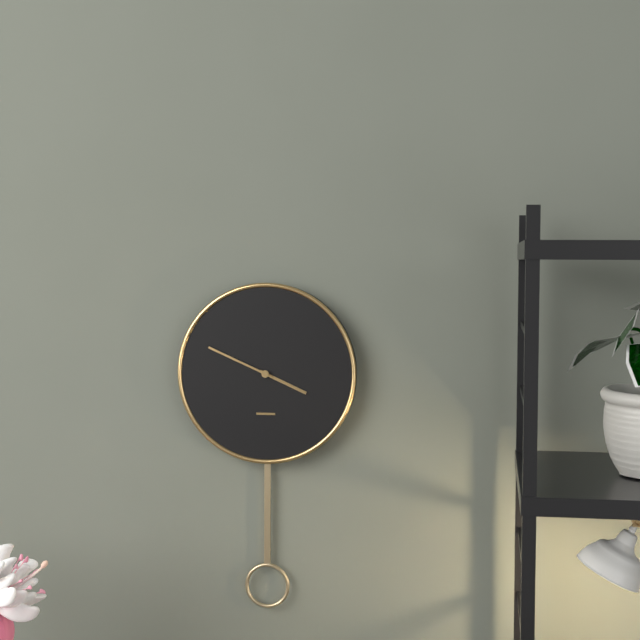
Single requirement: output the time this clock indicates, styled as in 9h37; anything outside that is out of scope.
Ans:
3h49
